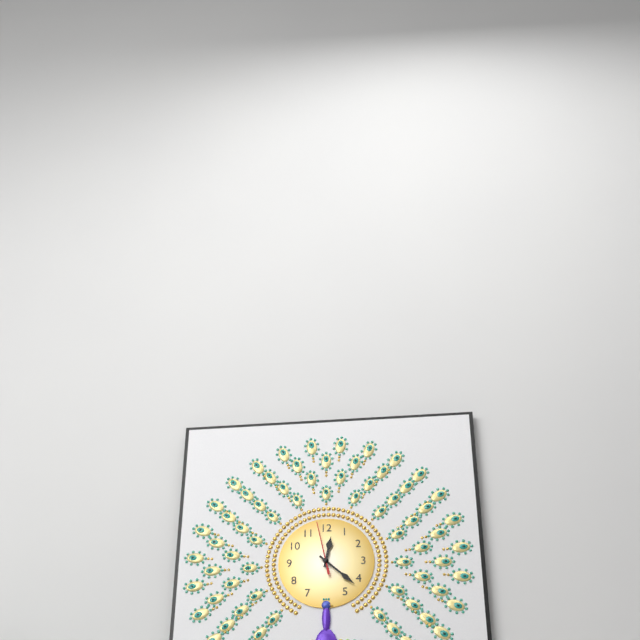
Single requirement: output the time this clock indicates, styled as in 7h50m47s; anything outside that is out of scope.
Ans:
12h22m58s
